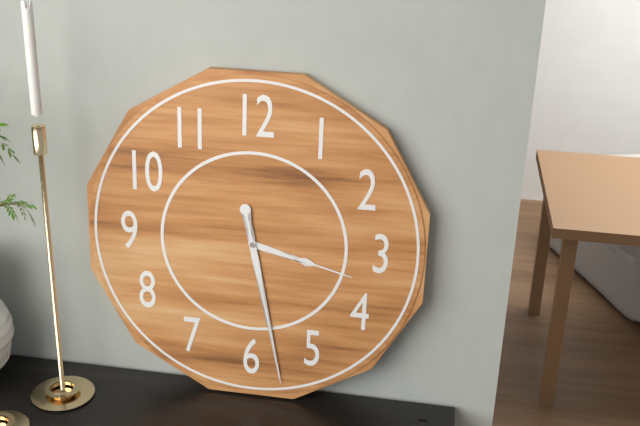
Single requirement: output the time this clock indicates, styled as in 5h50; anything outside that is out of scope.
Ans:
3h28
